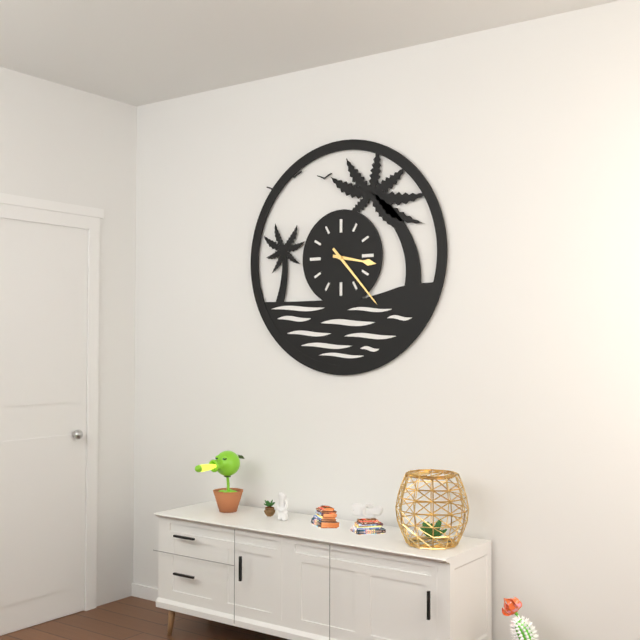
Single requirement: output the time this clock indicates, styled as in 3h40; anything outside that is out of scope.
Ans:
3h23
